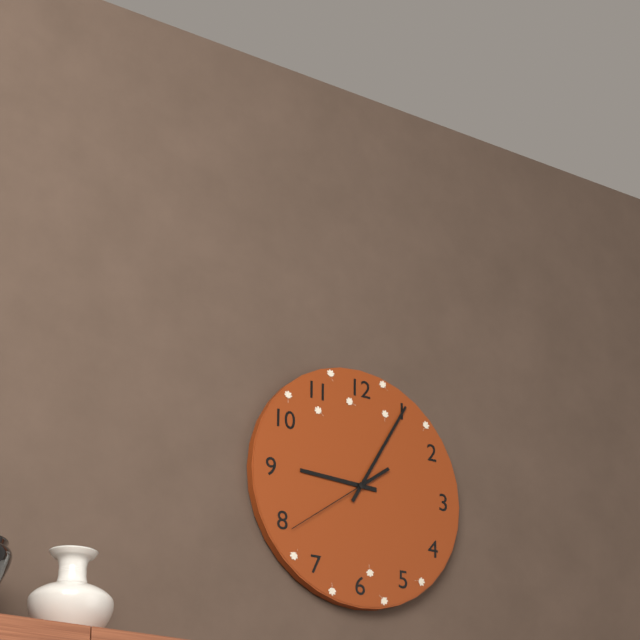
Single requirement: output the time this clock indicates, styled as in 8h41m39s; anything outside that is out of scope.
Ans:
9h05m39s
